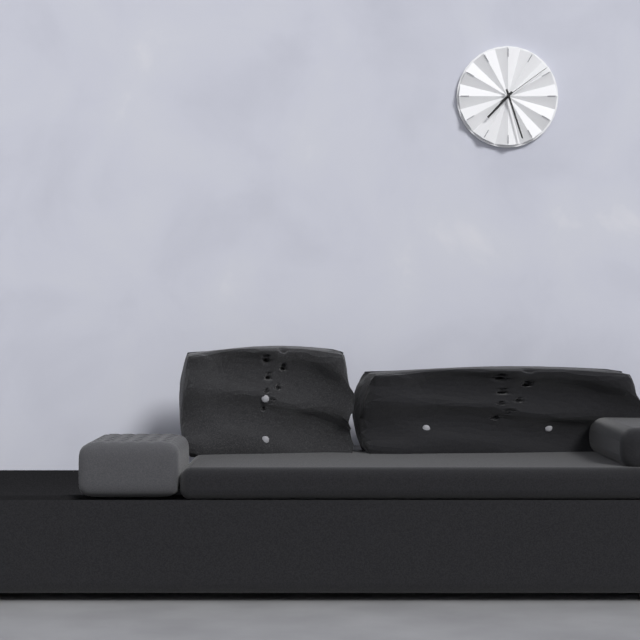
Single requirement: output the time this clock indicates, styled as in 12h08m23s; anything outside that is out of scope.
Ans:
7h27m09s
